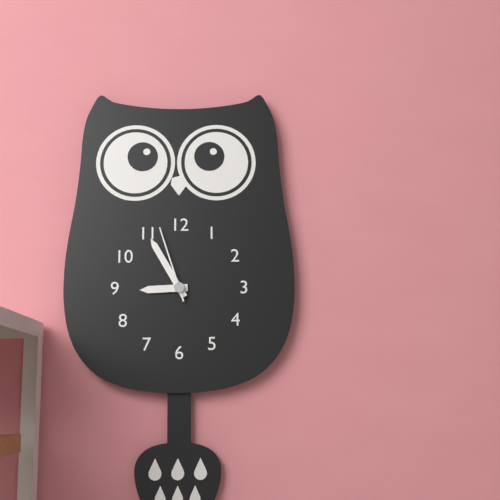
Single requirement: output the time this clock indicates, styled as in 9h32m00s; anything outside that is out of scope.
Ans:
8h55m57s
